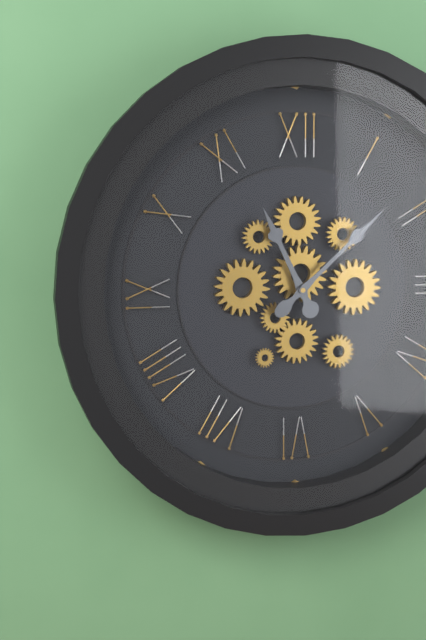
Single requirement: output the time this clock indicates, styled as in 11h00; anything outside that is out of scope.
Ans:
11h08
